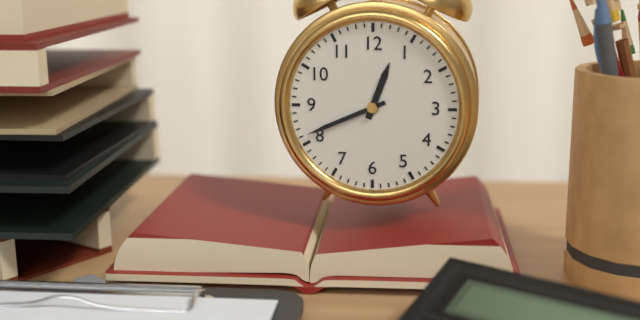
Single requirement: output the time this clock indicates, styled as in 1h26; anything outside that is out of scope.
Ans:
12h41
